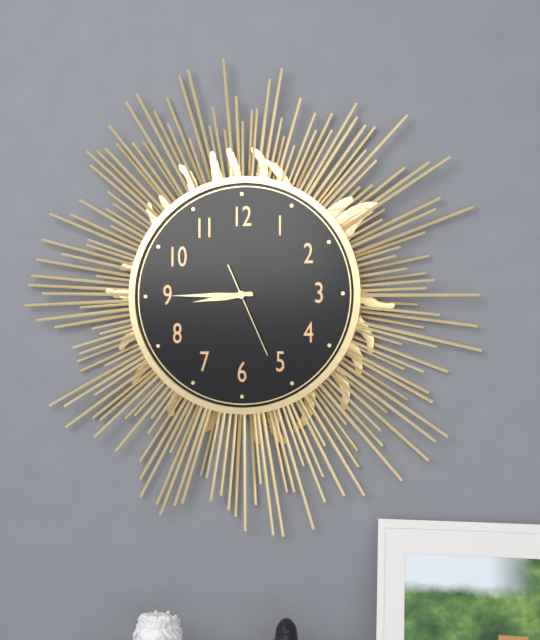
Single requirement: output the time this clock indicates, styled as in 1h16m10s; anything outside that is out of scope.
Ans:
8h45m26s
